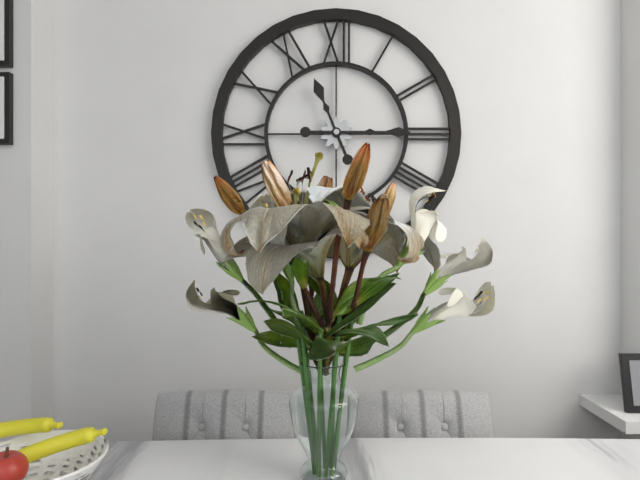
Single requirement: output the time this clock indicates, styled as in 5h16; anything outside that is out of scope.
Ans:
11h15
